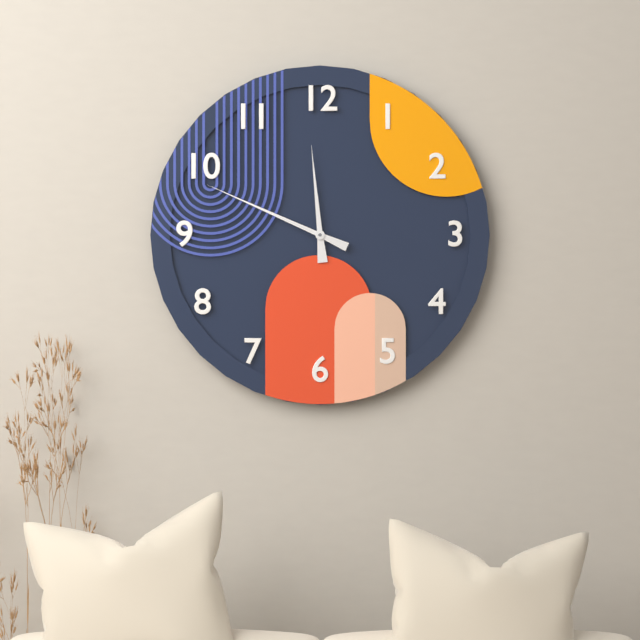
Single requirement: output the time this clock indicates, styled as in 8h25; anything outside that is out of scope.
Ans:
11h49
